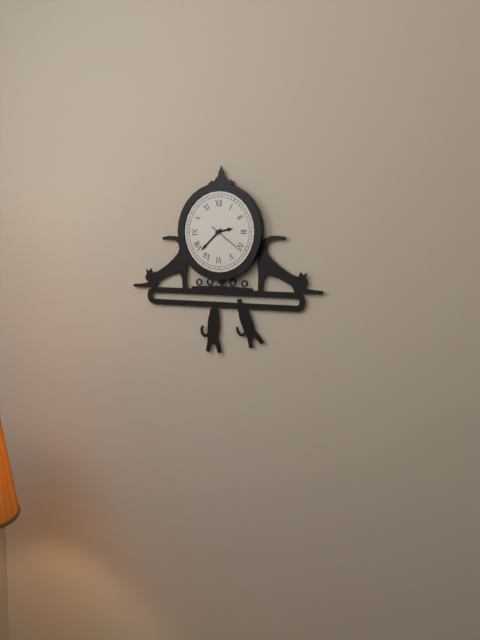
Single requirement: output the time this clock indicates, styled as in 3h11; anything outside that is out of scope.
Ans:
2h38
